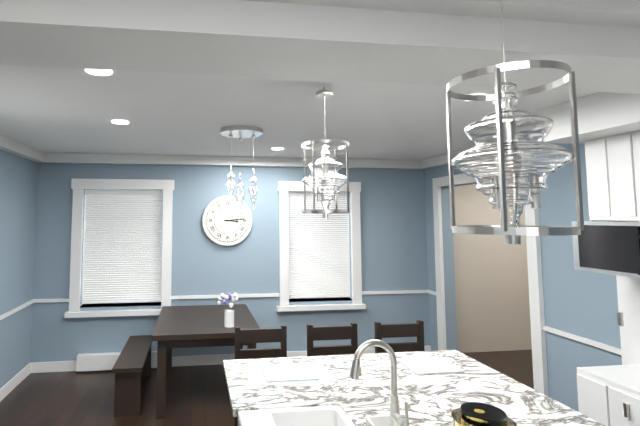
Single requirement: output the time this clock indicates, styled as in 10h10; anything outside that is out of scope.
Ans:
3h14
